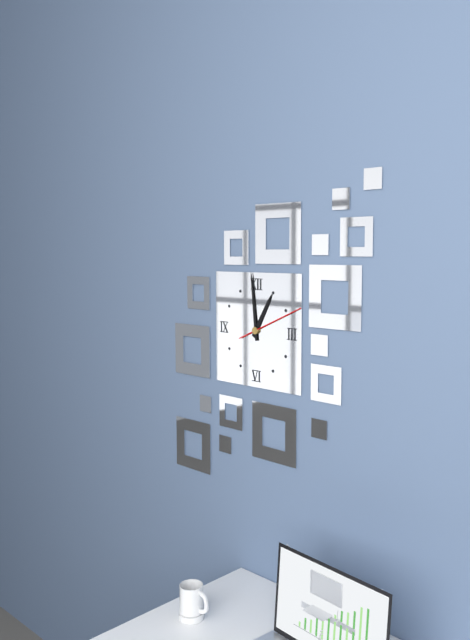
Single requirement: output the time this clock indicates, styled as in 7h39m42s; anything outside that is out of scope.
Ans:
12h59m11s
